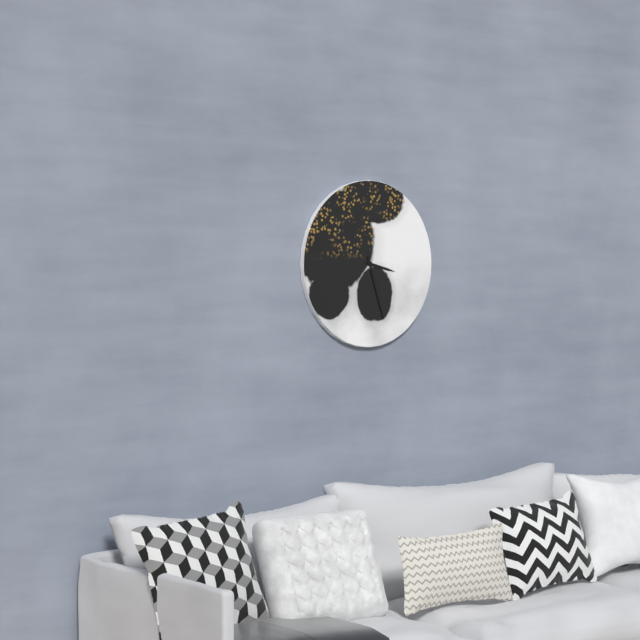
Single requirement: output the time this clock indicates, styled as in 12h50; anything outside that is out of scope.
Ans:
3h27
